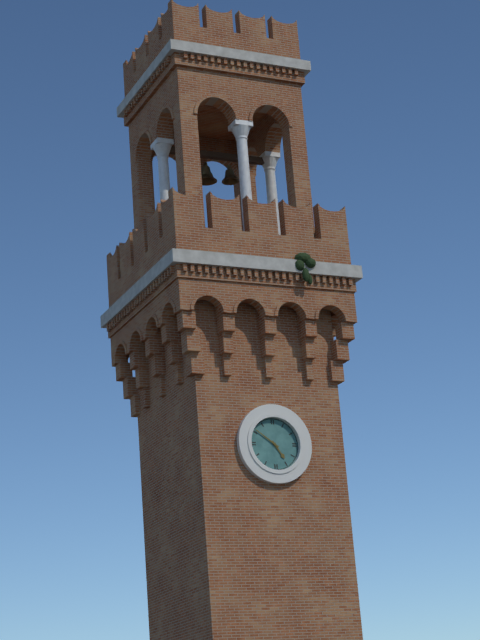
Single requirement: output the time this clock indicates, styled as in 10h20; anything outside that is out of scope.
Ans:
4h51
